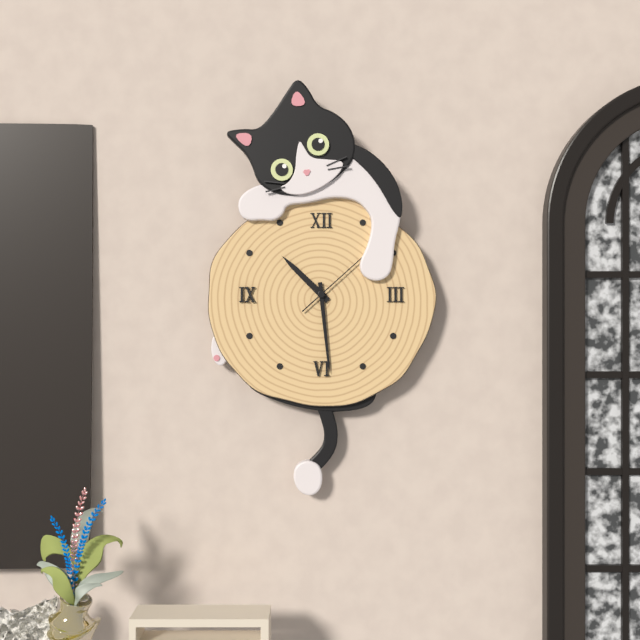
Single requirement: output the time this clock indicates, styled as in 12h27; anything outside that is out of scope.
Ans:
10h29
